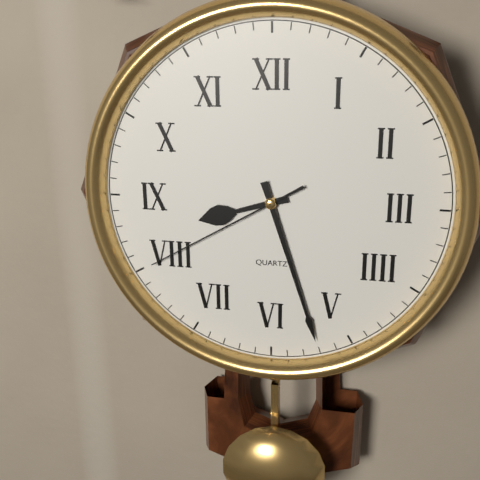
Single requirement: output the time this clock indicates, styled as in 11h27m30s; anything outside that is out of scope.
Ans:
8h27m40s
